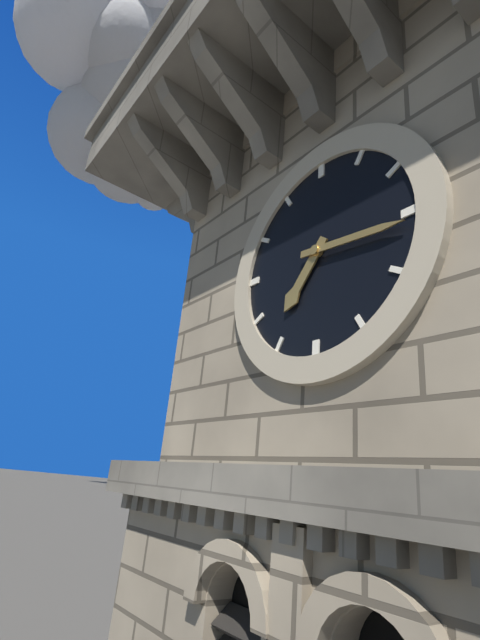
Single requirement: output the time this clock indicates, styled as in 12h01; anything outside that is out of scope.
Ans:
7h16
